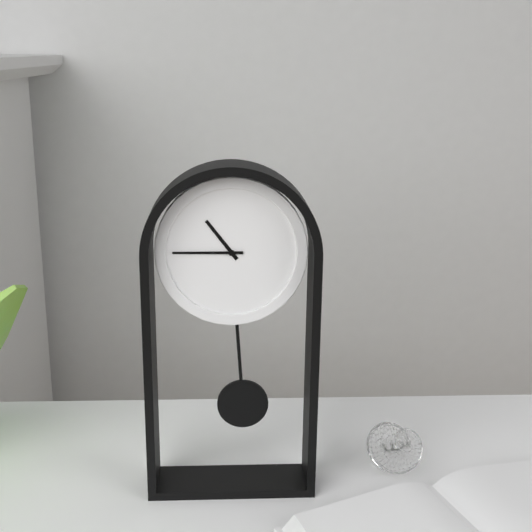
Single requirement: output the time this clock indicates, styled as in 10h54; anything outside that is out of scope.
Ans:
10h45
